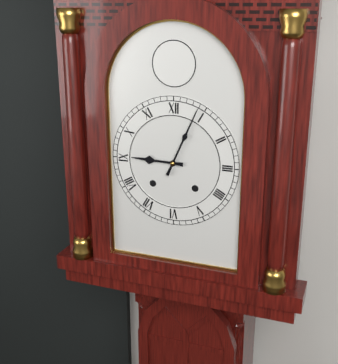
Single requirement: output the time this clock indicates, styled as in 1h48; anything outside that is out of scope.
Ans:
9h04
